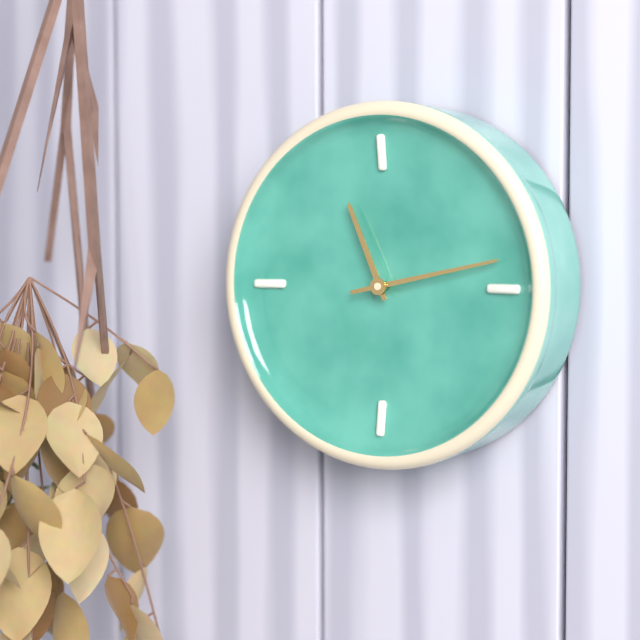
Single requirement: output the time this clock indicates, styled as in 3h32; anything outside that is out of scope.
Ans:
11h13
